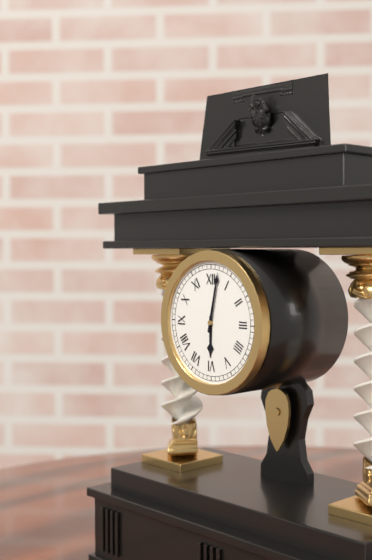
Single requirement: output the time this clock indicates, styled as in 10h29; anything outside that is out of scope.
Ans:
6h02
